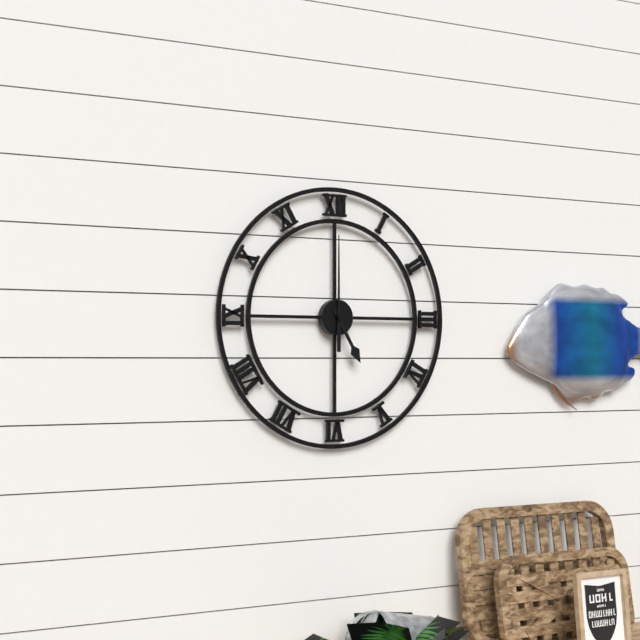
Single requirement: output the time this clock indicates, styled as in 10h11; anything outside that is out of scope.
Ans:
5h00
